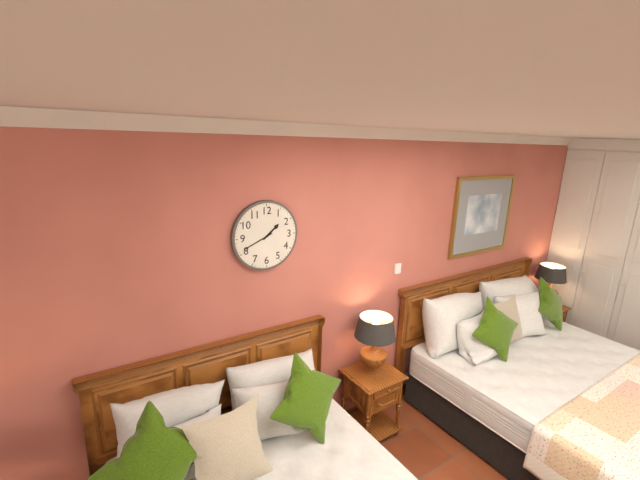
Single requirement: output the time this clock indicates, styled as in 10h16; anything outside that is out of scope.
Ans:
1h41
